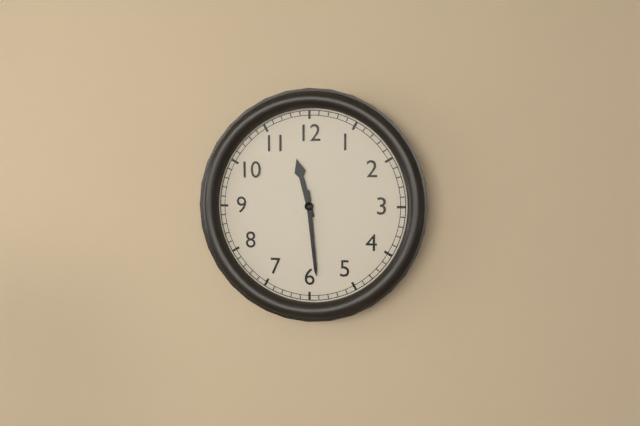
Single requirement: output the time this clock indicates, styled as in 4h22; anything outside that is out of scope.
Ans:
11h29
